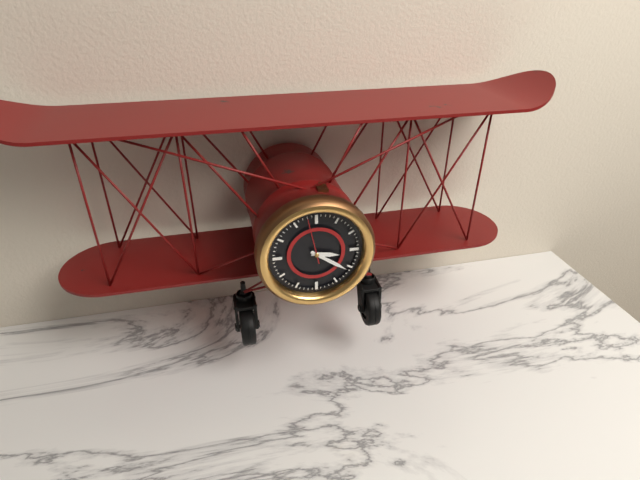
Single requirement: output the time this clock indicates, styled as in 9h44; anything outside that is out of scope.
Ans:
3h21
